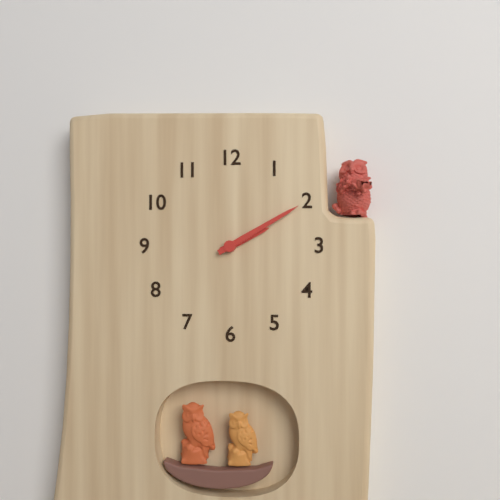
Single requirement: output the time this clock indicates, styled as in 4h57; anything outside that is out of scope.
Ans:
2h10
